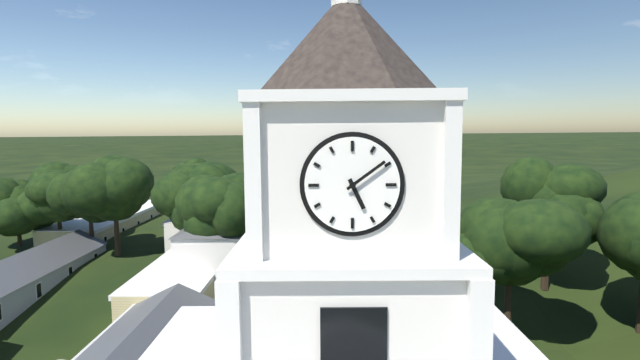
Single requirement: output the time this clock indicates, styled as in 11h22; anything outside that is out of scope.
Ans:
5h09
